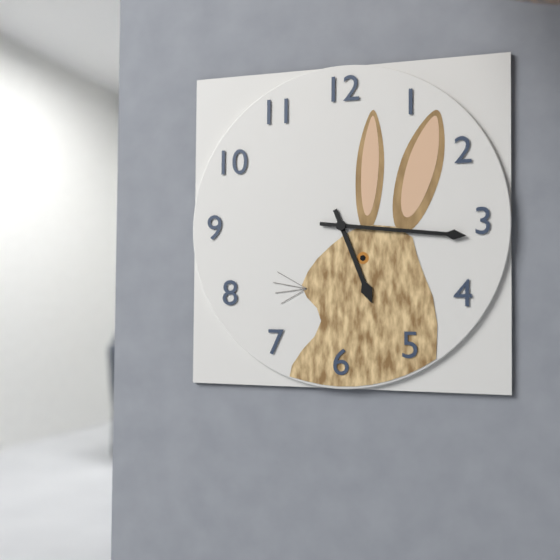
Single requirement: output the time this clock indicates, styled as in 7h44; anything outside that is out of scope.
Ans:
5h16
